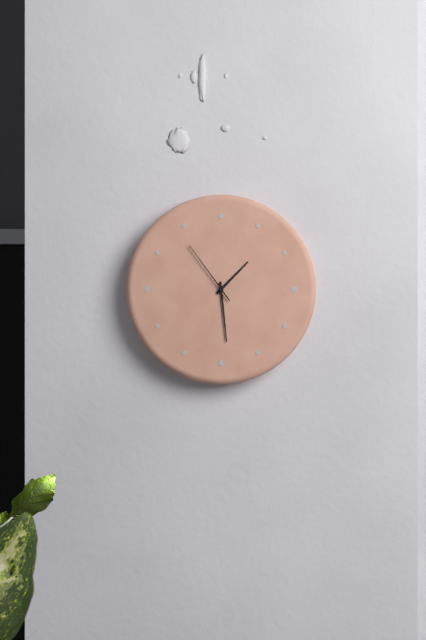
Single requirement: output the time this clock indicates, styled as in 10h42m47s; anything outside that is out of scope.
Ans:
1h29m54s
